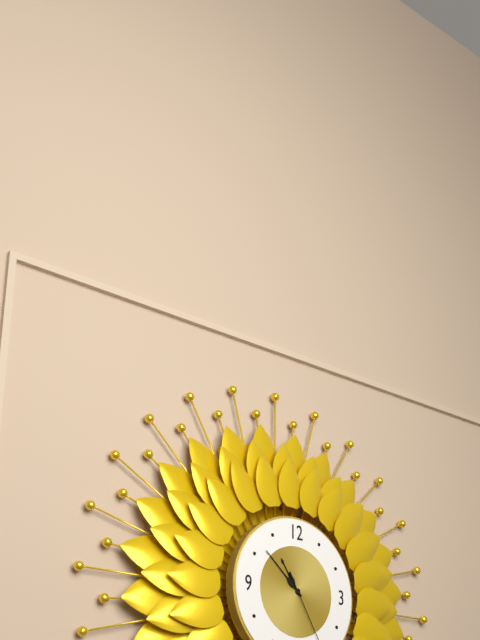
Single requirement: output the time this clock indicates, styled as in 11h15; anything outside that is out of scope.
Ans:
10h52
